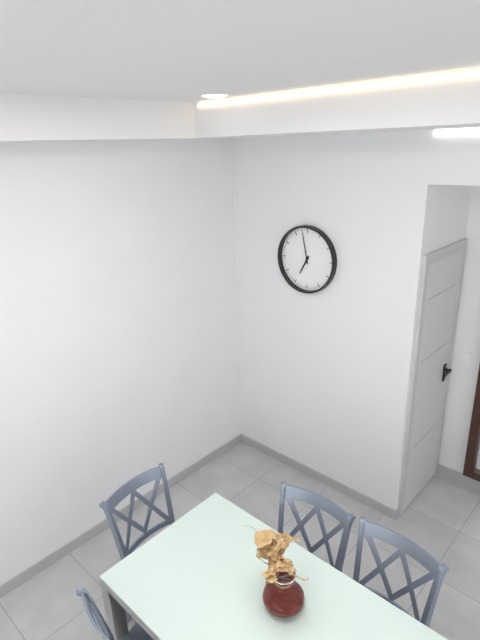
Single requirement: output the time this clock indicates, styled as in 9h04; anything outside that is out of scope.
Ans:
6h58
